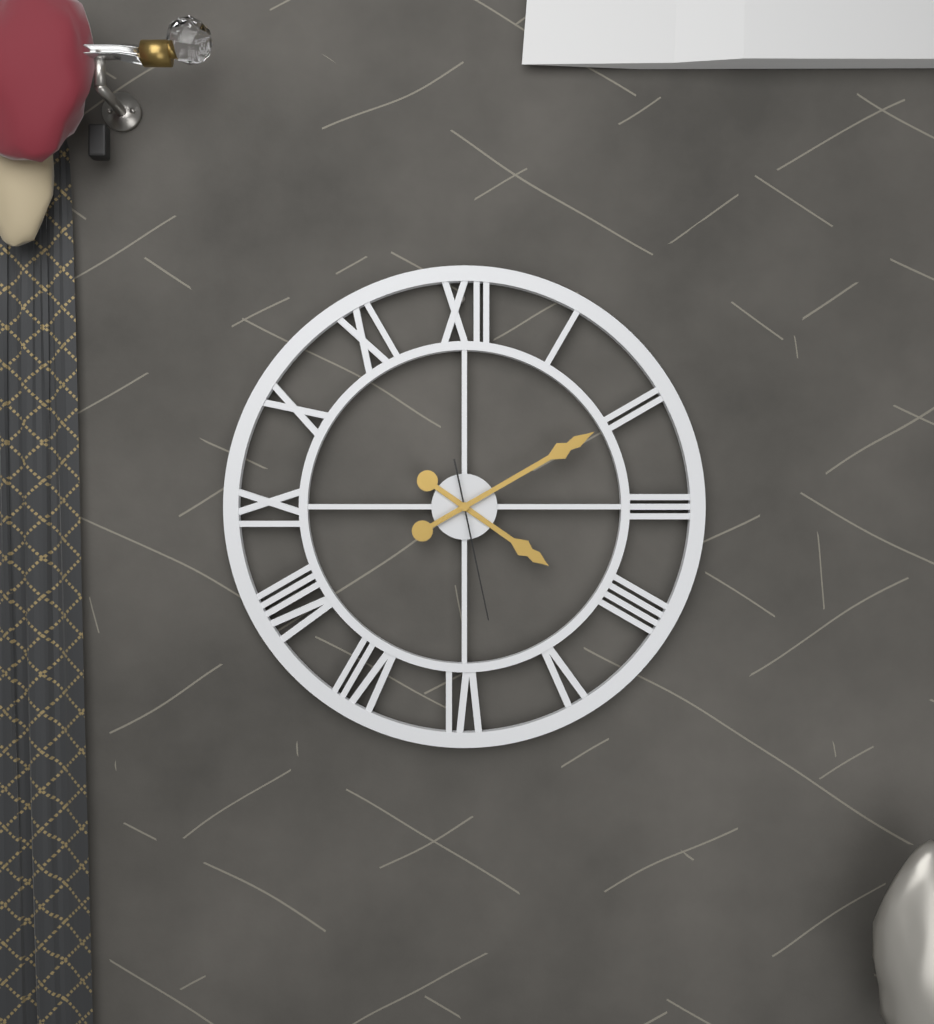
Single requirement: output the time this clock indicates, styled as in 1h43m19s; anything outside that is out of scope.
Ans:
4h10m28s
